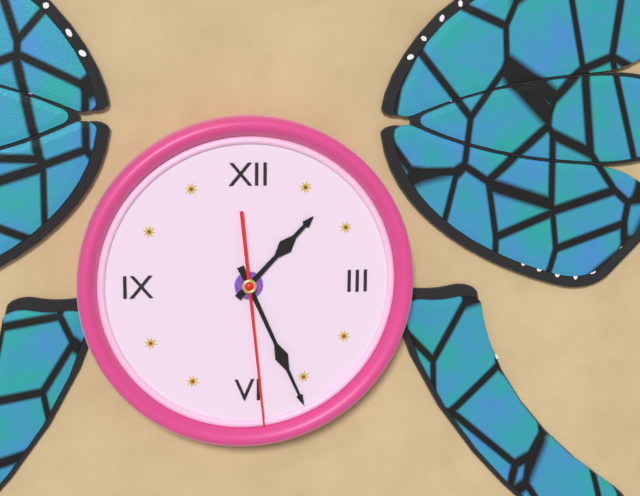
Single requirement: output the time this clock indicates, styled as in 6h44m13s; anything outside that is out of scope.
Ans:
1h26m29s
